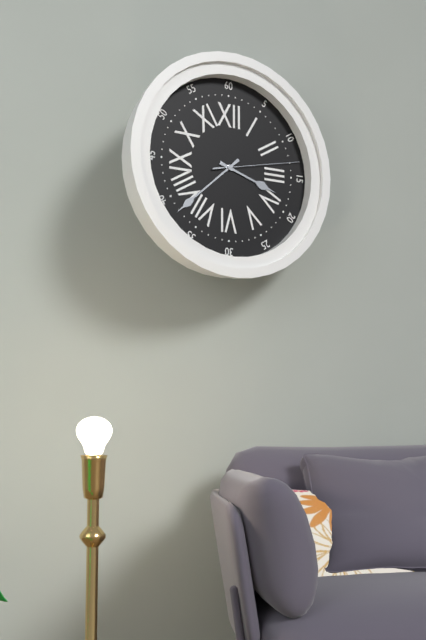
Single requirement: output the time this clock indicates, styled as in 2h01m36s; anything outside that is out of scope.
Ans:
3h38m13s
